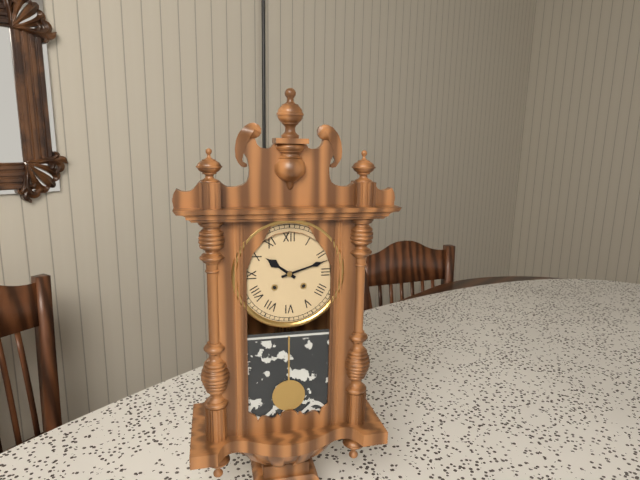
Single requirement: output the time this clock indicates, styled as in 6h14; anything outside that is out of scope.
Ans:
10h12
